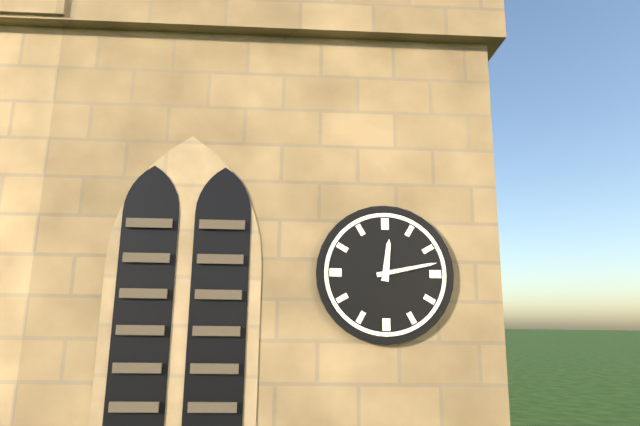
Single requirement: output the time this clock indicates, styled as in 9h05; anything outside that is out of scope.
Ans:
12h13
